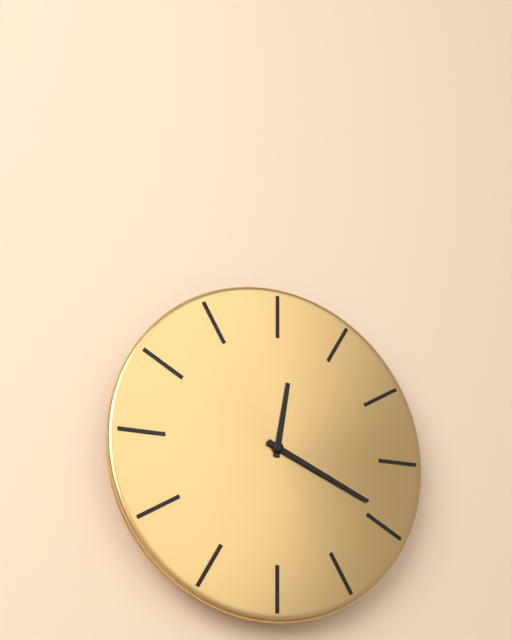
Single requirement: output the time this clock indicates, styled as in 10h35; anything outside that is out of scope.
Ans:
12h19
